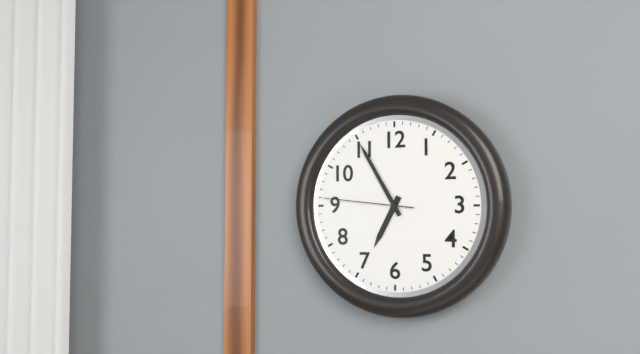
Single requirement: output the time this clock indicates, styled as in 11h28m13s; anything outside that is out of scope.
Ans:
6h55m46s
